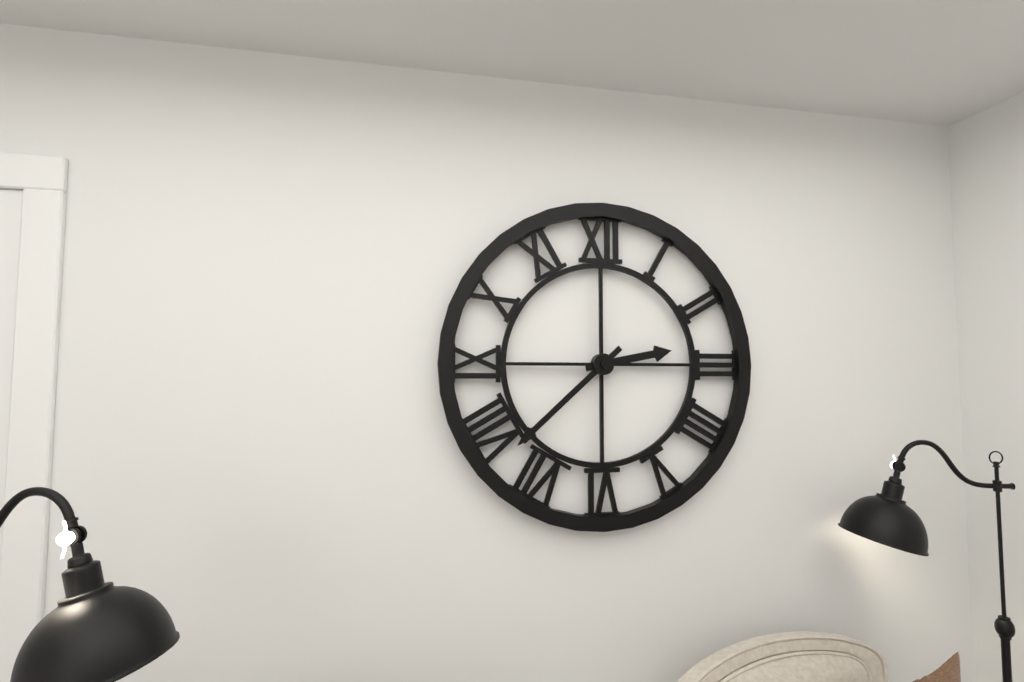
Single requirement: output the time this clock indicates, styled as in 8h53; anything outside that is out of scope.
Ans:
2h38
